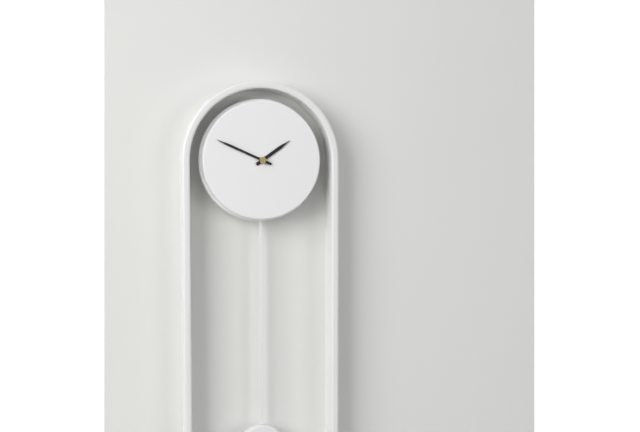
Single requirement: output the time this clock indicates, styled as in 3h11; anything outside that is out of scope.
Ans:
1h49
